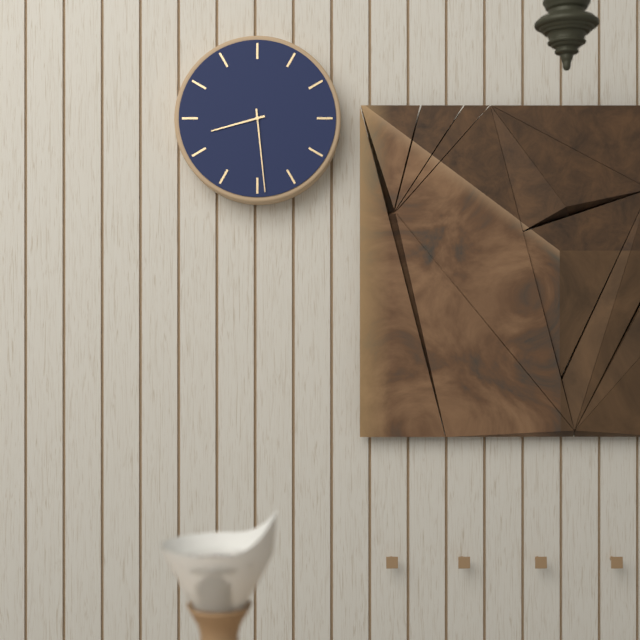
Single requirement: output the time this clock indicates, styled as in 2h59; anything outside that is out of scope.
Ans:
8h29
